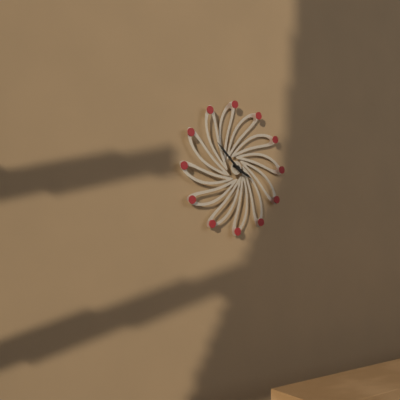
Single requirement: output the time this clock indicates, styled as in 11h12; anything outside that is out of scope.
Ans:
3h52
